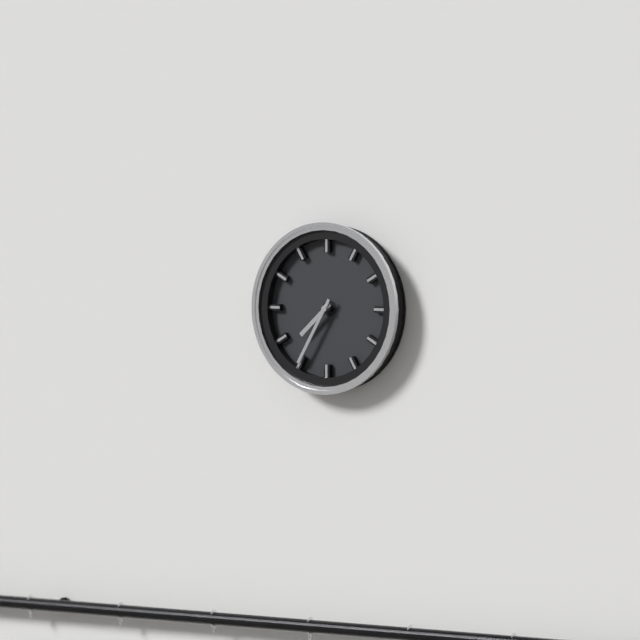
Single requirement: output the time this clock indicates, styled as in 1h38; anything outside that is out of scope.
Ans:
7h35
